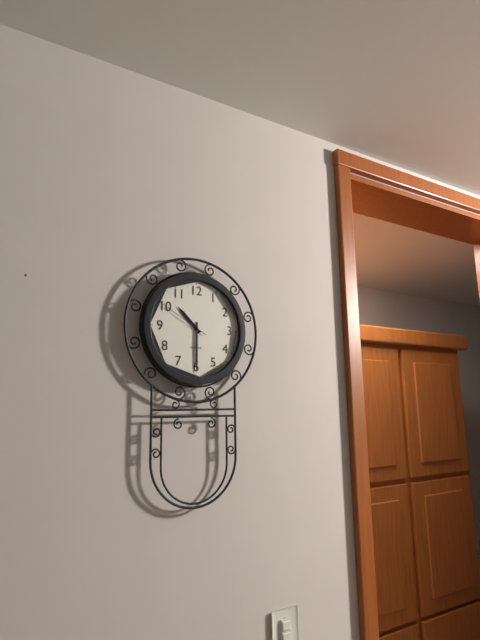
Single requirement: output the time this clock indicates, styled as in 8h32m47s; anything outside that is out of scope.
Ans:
10h30m50s
